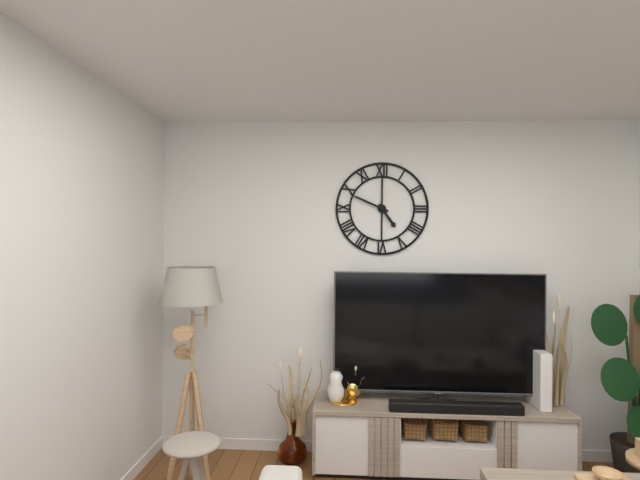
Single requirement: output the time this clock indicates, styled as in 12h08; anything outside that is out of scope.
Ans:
4h49
